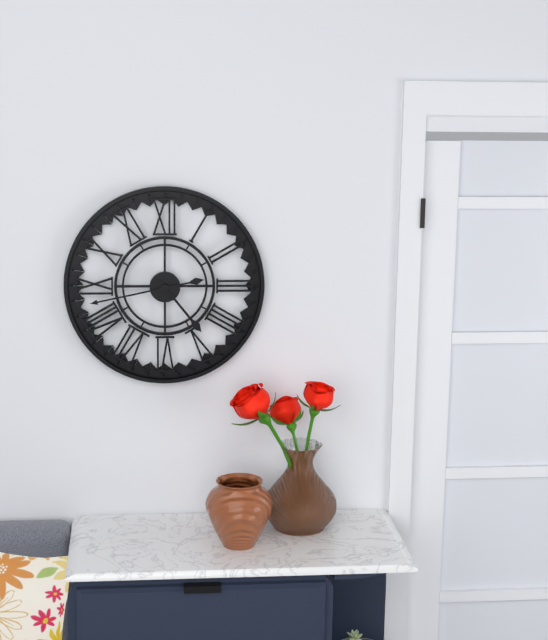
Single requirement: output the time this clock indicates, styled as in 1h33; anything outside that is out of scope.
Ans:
4h43
